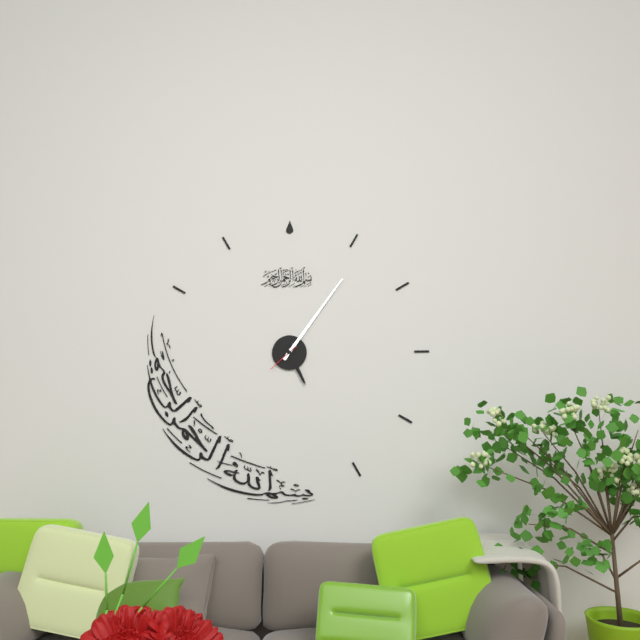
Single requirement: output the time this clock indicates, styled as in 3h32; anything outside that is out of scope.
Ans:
5h06
